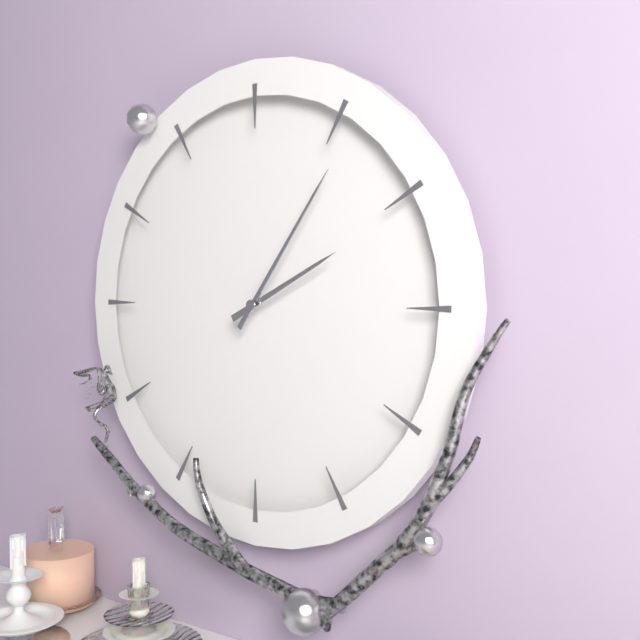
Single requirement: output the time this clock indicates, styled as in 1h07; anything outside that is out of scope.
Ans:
2h06
